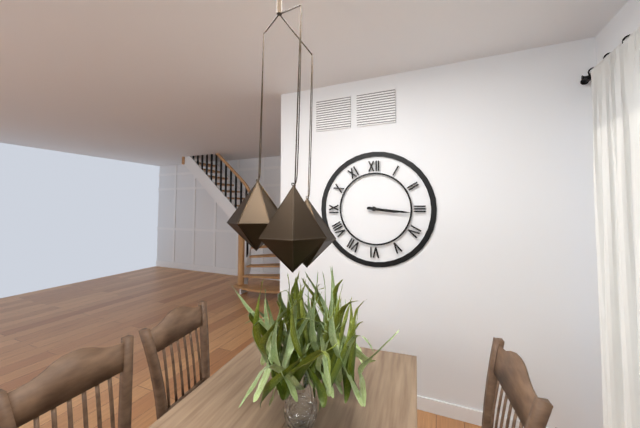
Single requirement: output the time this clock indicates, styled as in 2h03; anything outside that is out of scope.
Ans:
3h16
